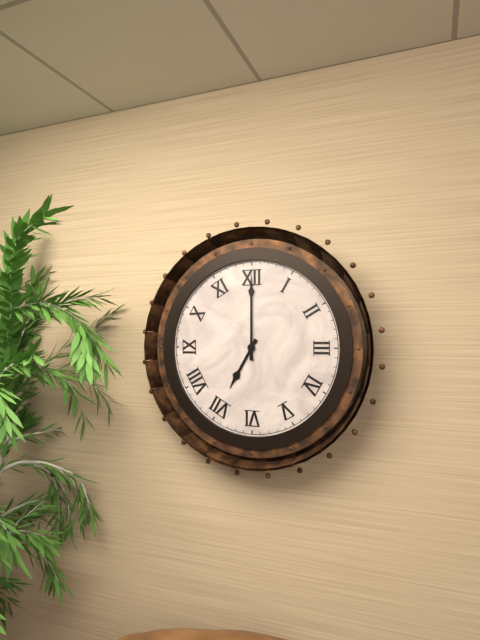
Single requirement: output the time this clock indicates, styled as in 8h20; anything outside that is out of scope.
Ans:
7h00
